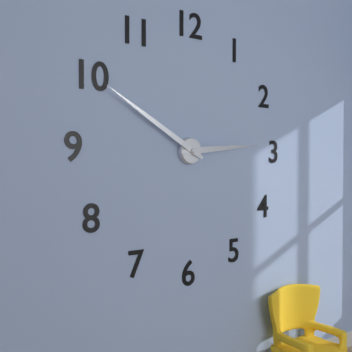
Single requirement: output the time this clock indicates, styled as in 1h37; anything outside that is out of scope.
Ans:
2h50
